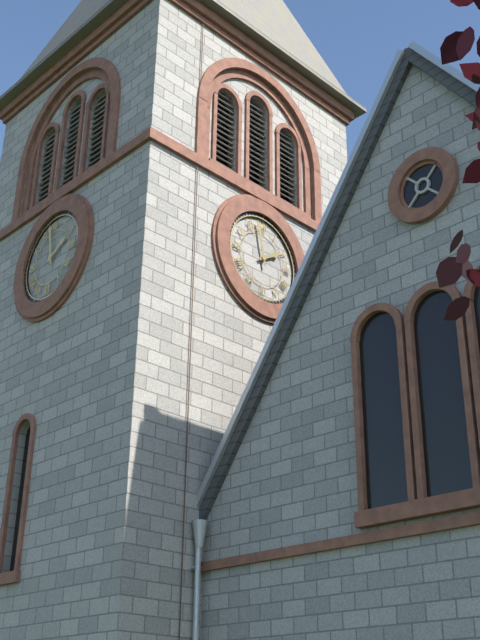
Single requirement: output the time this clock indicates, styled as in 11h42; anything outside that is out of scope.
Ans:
1h58
